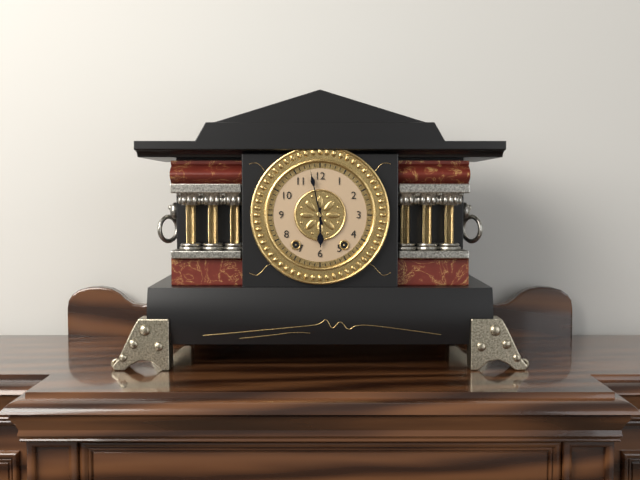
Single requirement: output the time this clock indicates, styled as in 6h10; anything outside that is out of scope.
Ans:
5h58
